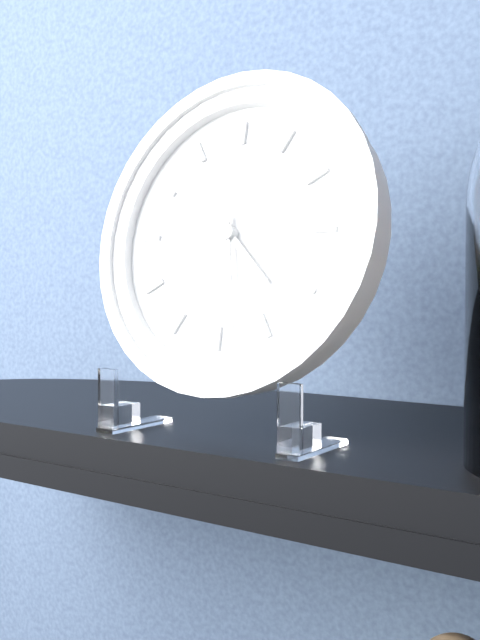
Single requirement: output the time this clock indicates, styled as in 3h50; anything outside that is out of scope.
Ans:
4h28
